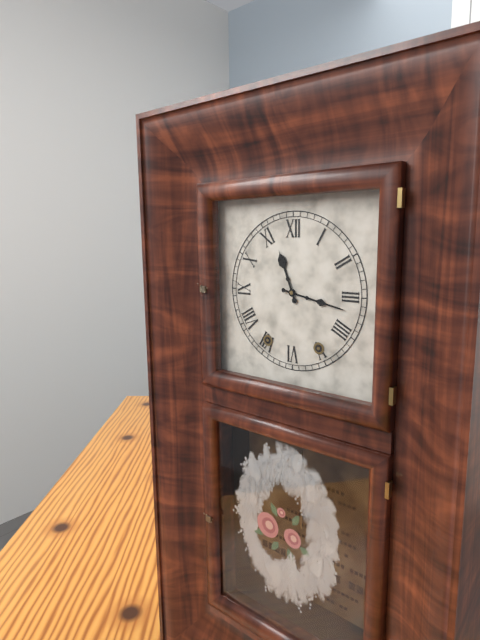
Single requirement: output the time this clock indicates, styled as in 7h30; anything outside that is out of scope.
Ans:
11h17
